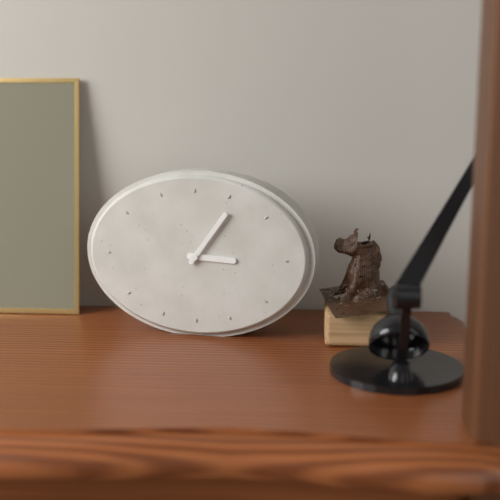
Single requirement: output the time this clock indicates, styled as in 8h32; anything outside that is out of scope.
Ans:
3h06
